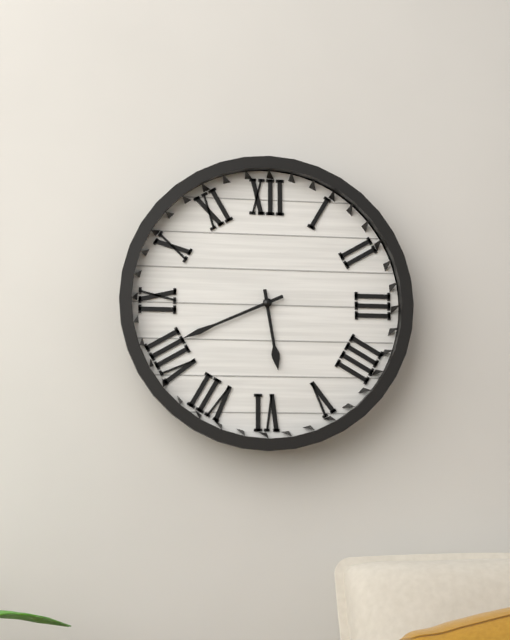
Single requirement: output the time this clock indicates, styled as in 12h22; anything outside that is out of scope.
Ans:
5h41
